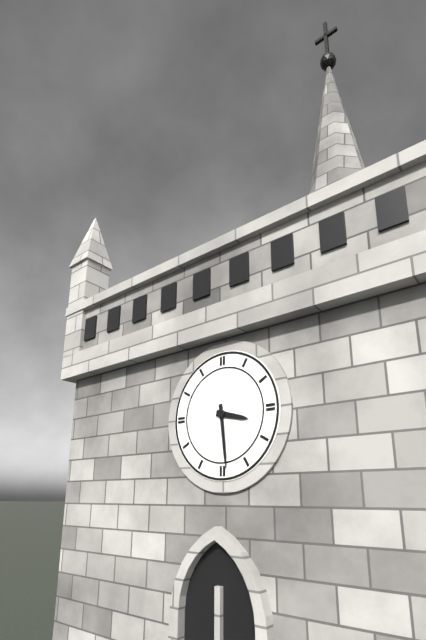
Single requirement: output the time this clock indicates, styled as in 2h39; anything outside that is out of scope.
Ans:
3h29
